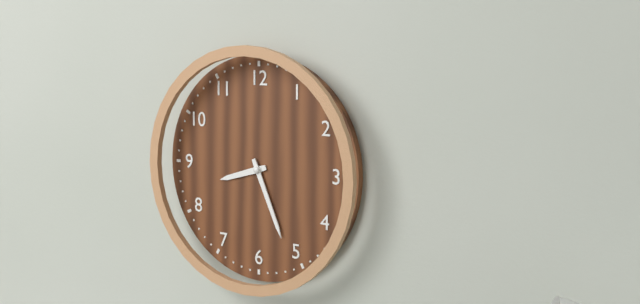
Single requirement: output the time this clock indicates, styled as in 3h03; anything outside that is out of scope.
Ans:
8h26
